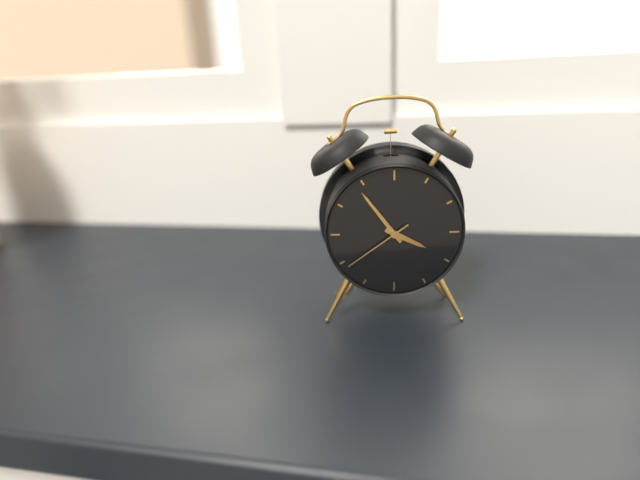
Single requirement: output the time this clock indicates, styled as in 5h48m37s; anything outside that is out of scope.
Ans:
3h54m39s
